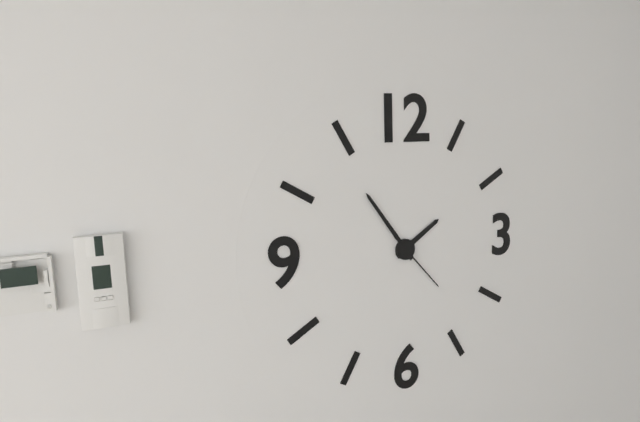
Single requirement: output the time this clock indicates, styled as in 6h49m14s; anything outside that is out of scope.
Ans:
1h54m23s
